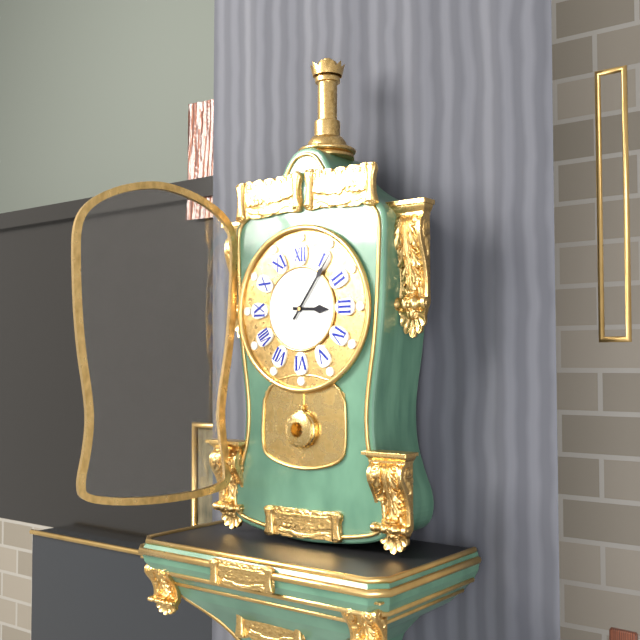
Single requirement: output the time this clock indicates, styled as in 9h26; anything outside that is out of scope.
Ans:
3h06
